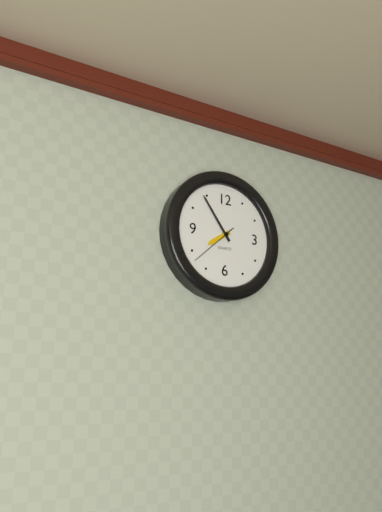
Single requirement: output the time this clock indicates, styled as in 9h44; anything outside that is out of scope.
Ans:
7h54
